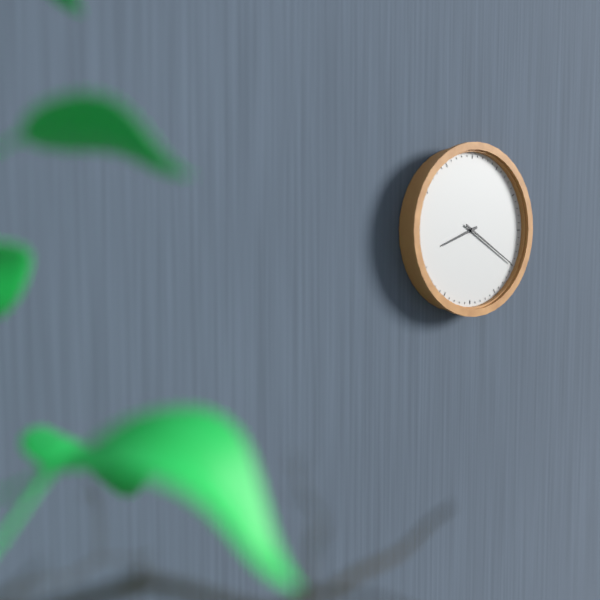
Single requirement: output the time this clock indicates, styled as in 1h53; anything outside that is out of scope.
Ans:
8h20
